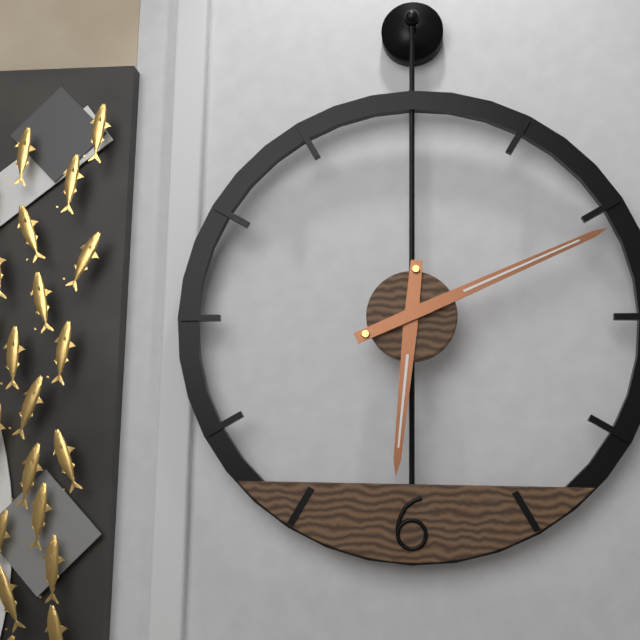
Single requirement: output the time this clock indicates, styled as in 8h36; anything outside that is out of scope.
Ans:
6h11
